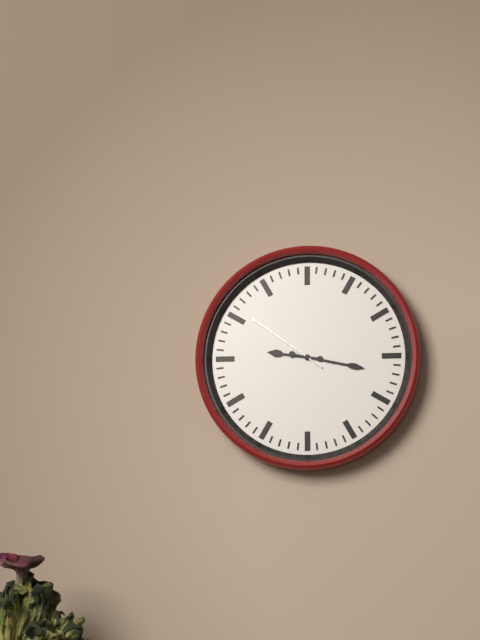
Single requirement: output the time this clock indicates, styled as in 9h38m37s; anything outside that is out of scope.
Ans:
9h17m51s
